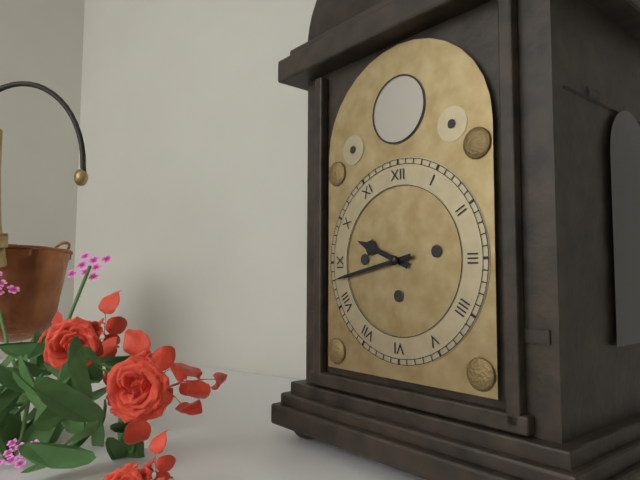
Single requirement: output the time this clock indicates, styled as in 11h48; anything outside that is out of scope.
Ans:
9h43
